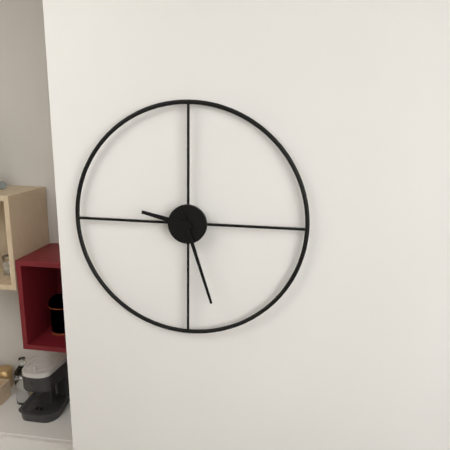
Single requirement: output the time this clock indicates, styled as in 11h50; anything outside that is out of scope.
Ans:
9h27
